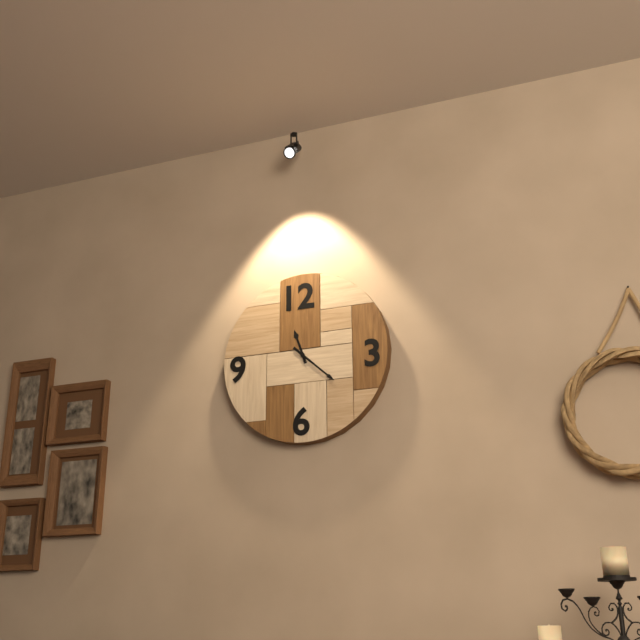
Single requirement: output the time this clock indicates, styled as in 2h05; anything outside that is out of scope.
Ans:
11h22
